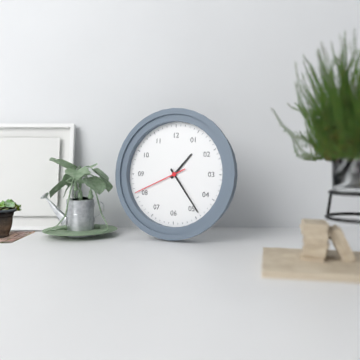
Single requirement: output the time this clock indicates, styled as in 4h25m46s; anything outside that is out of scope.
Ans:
1h24m41s
